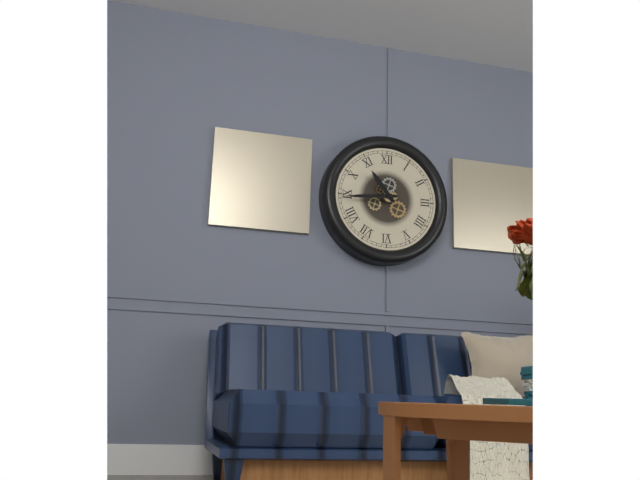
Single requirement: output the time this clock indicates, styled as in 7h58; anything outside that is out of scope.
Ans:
10h44
